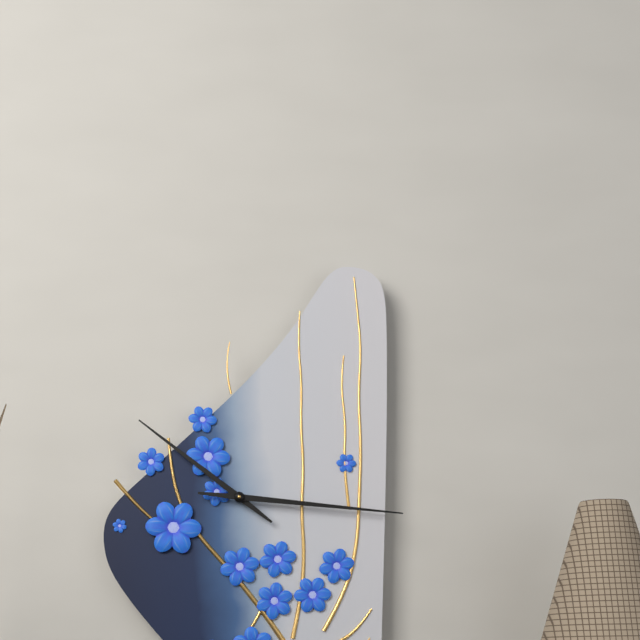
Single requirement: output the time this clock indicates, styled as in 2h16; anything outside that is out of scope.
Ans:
10h16
